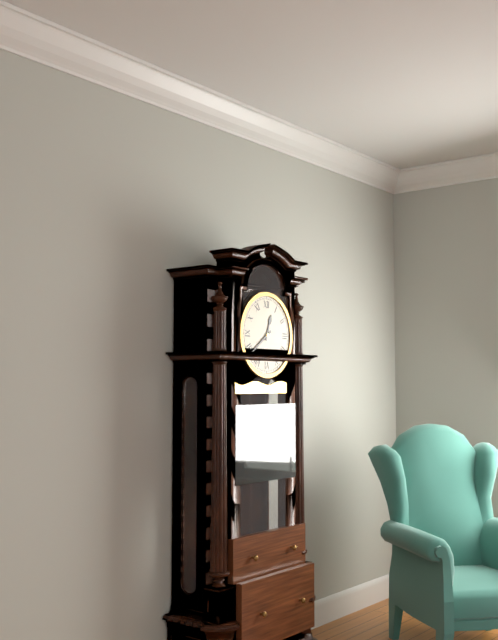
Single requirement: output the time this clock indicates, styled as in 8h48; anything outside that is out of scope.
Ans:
12h39
